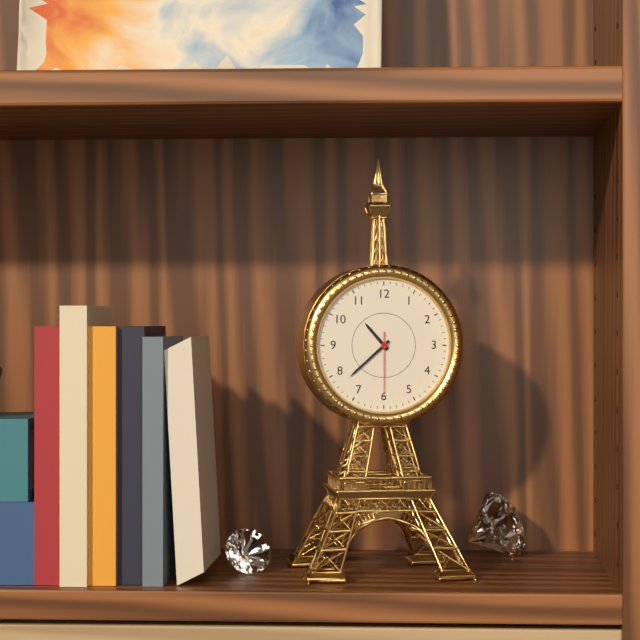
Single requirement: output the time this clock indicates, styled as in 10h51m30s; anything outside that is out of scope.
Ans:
10h38m30s
